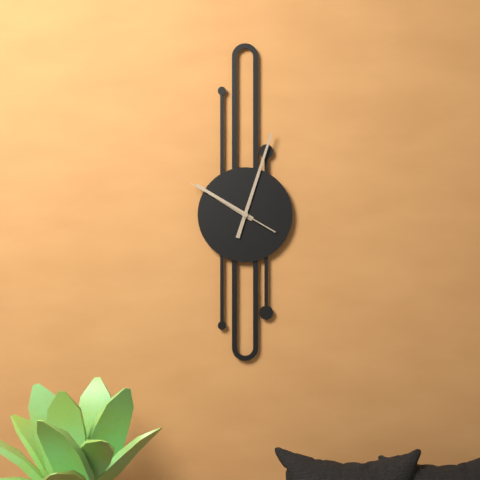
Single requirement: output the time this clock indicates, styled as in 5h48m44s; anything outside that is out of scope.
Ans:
10h03m50s
